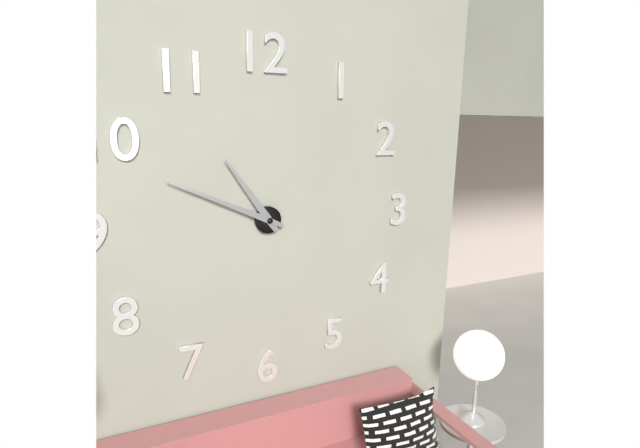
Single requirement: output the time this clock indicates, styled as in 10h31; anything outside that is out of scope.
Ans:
10h49
